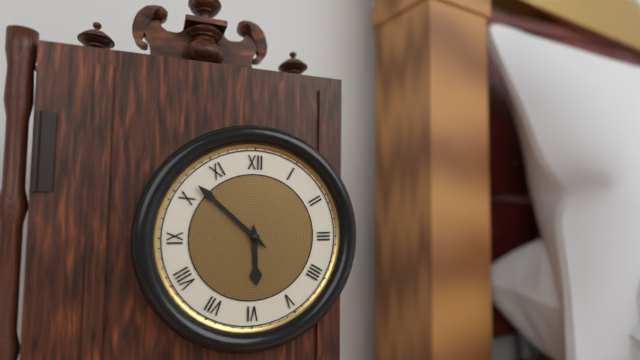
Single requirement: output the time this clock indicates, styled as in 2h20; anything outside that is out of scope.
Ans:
5h52
